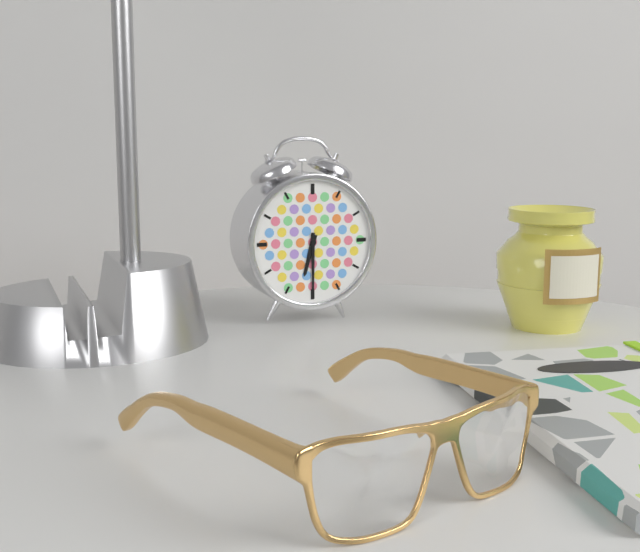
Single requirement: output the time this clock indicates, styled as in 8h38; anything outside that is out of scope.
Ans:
6h30
